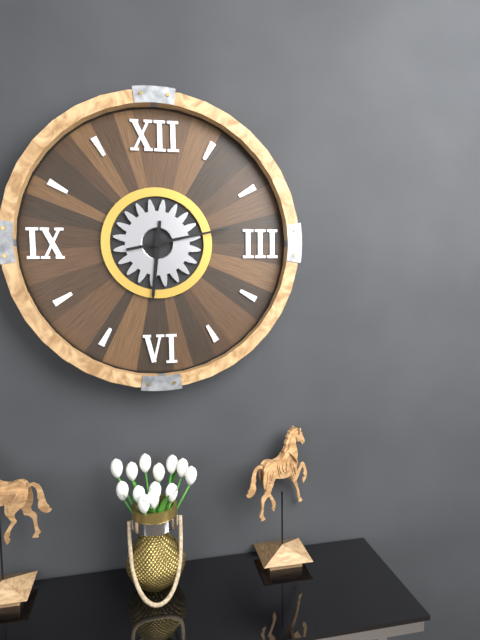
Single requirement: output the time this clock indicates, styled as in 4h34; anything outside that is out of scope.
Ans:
6h13
